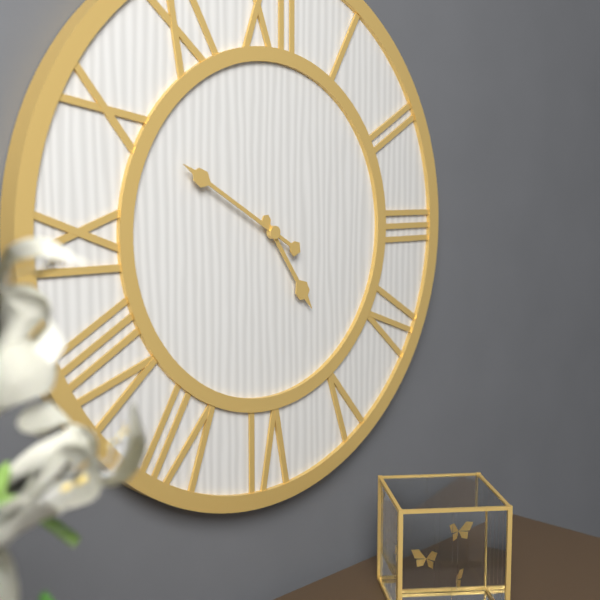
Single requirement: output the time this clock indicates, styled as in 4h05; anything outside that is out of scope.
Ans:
4h50
